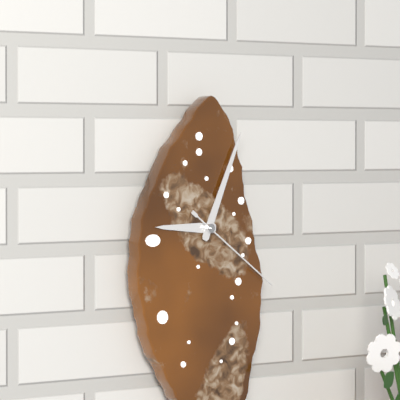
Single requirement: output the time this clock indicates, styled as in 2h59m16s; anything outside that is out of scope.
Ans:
9h04m21s
